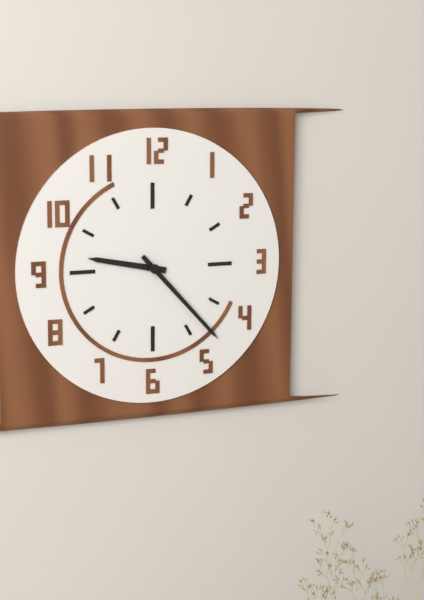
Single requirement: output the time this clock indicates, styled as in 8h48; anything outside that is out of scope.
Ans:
9h23
